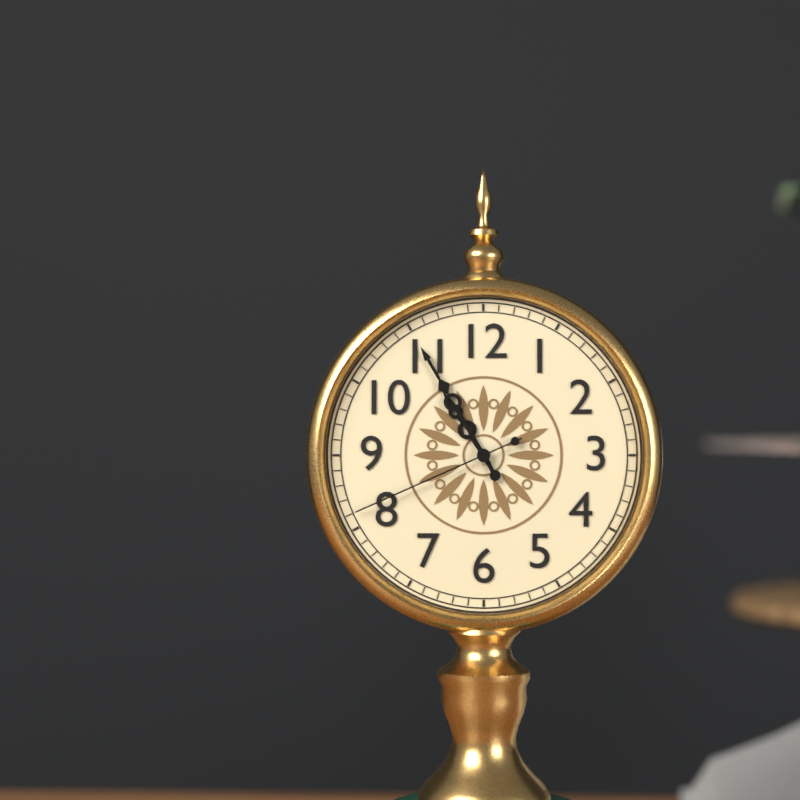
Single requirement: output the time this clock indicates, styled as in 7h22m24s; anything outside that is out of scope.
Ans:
10h55m41s
